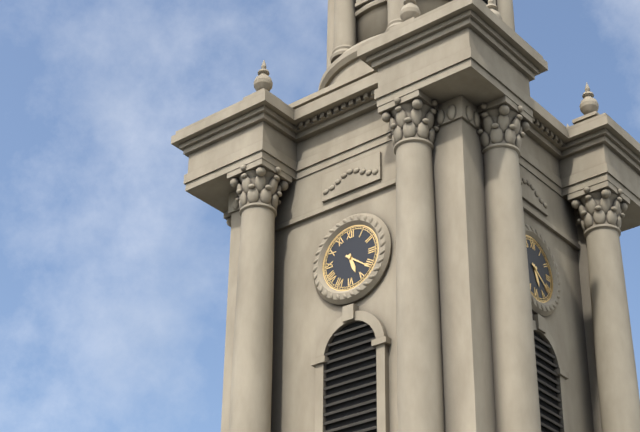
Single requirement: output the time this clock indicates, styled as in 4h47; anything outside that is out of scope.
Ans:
5h21
